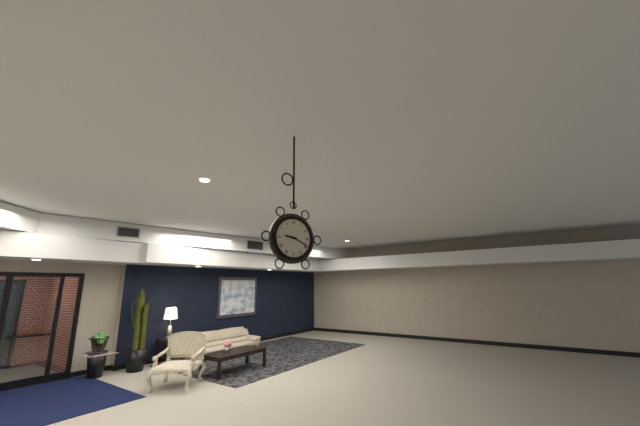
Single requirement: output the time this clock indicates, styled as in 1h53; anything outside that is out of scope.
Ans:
9h19
